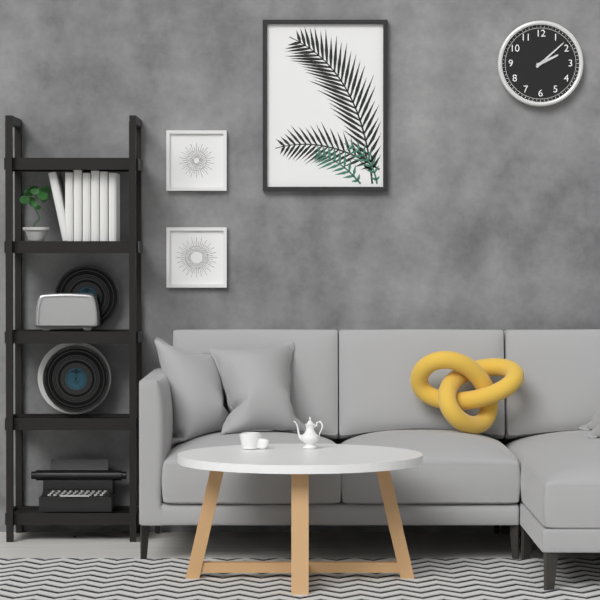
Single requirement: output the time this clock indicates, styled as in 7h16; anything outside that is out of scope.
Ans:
2h08
